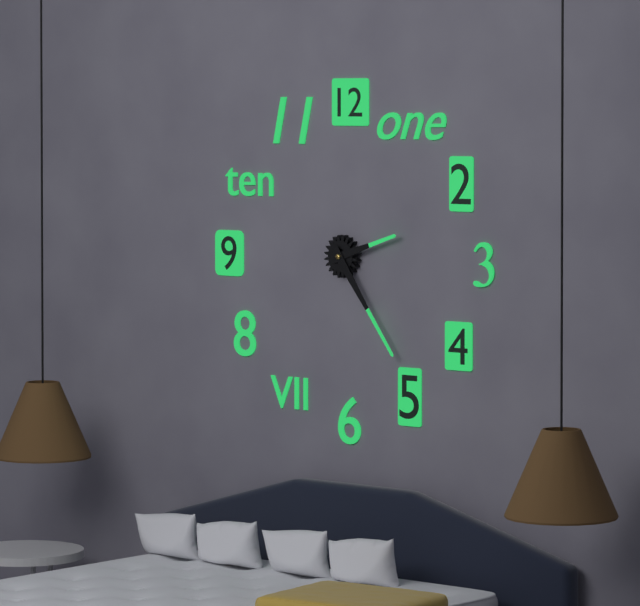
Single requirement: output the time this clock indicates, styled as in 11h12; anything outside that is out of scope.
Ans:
2h24
